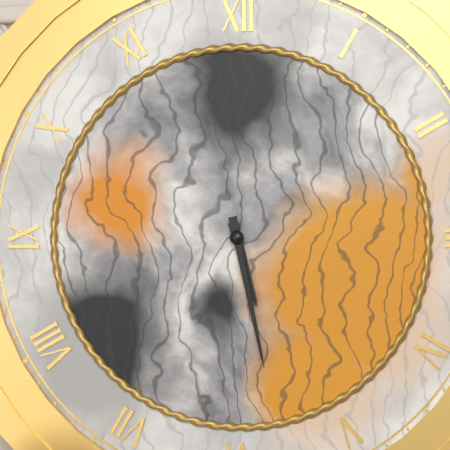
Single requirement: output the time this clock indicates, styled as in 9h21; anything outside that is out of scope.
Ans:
5h28
